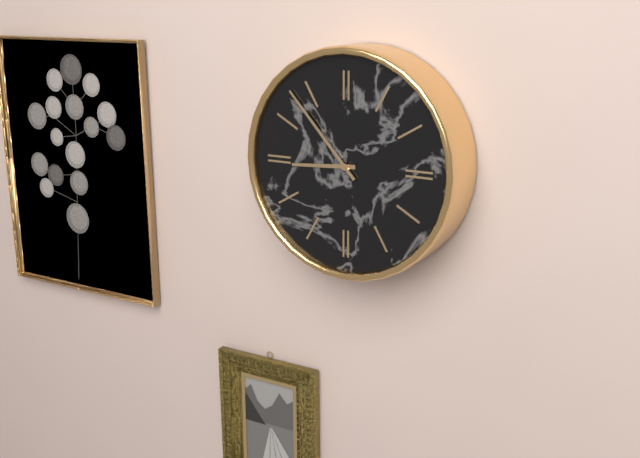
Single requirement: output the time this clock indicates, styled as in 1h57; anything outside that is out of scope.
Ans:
8h53
